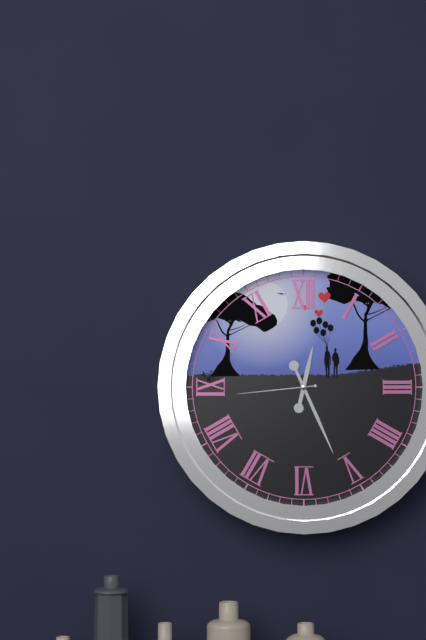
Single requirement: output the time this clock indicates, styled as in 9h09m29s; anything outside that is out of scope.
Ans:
12h26m44s
